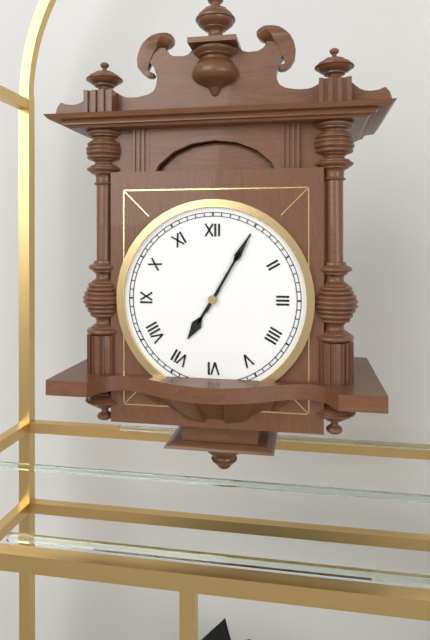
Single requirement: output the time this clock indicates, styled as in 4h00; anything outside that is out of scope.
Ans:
7h05
